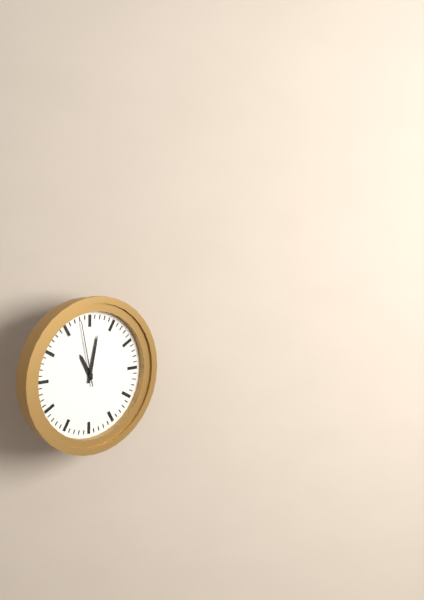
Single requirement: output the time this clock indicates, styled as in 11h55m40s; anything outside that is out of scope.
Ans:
11h02m58s
